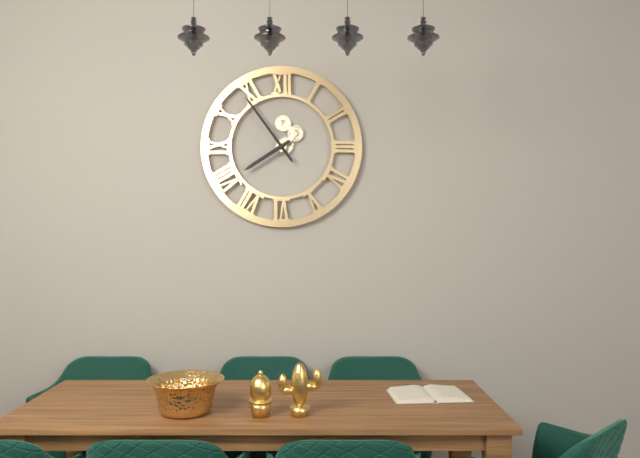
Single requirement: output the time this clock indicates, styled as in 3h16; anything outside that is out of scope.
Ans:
7h54
